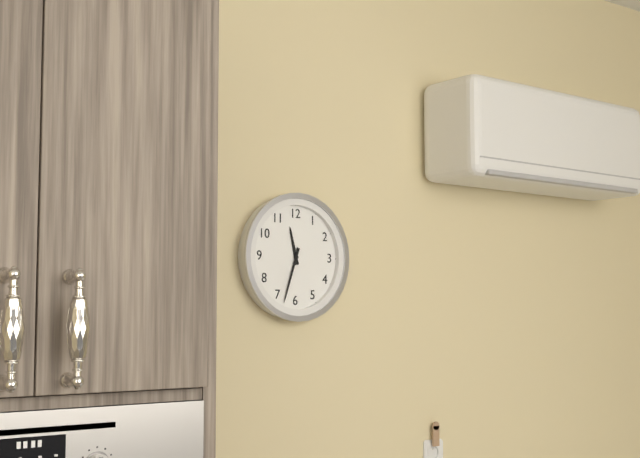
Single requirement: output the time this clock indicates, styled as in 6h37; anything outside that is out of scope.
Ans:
11h33
